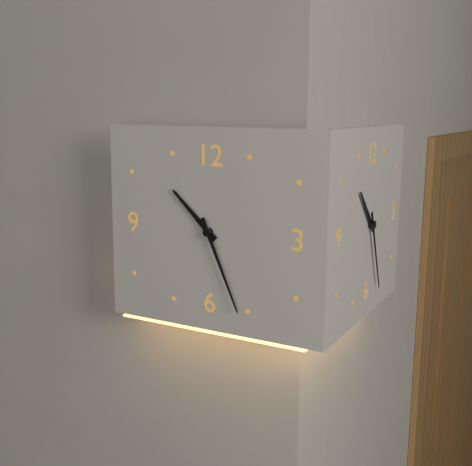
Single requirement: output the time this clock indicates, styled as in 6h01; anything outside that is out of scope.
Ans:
10h26
